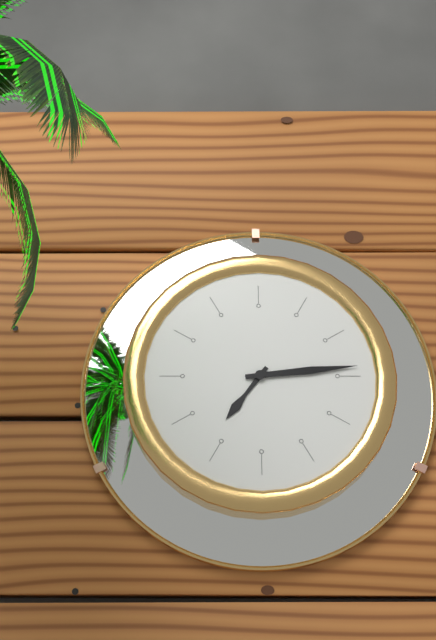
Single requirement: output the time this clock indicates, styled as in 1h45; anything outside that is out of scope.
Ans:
7h14
